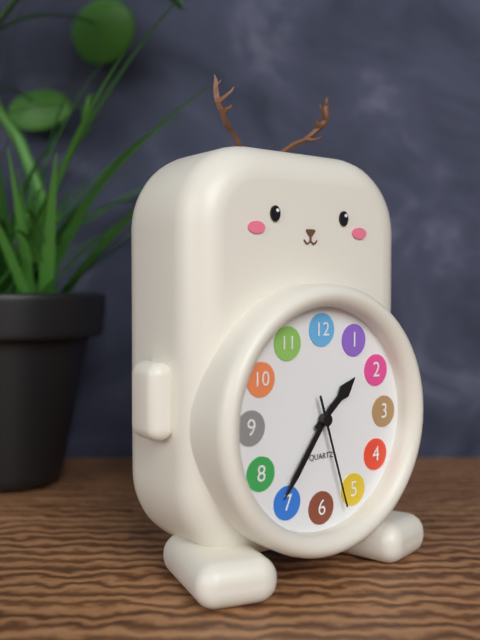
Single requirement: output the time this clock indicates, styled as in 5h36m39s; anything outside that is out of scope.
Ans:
1h36m27s
